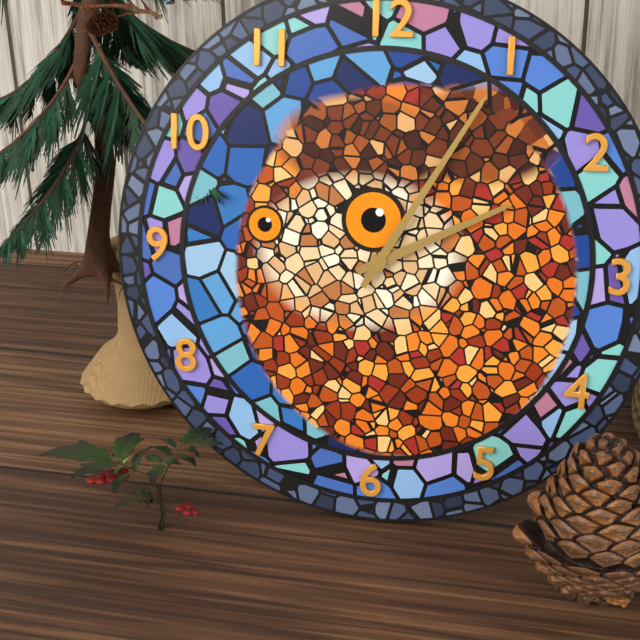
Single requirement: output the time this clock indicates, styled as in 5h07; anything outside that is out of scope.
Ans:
2h05
